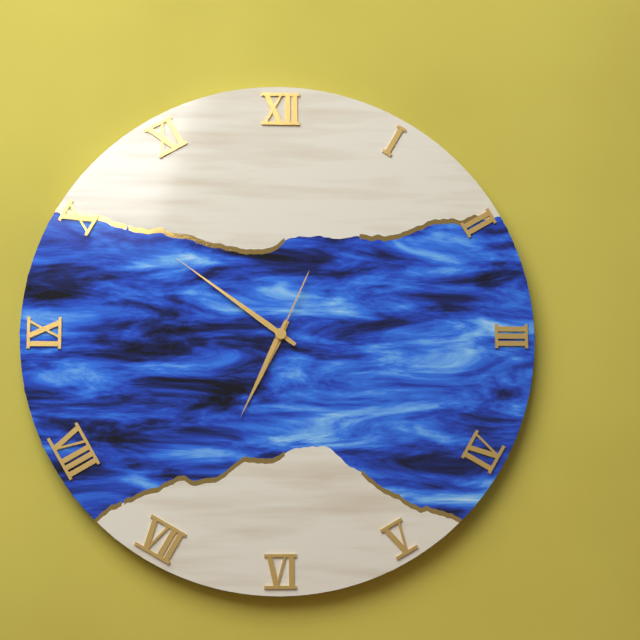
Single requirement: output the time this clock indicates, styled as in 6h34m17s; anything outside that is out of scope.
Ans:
6h51m04s
